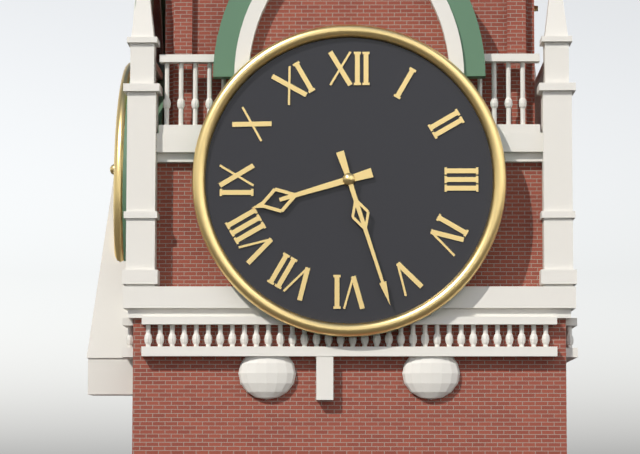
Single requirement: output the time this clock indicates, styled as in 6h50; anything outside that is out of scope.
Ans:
8h27
